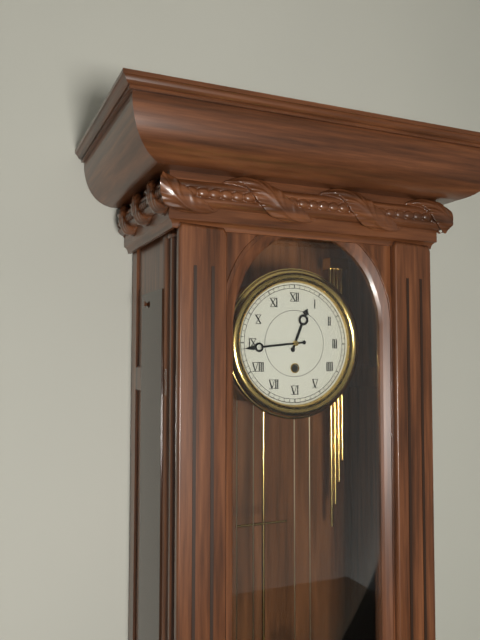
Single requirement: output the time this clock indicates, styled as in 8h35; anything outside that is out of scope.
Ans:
12h44
